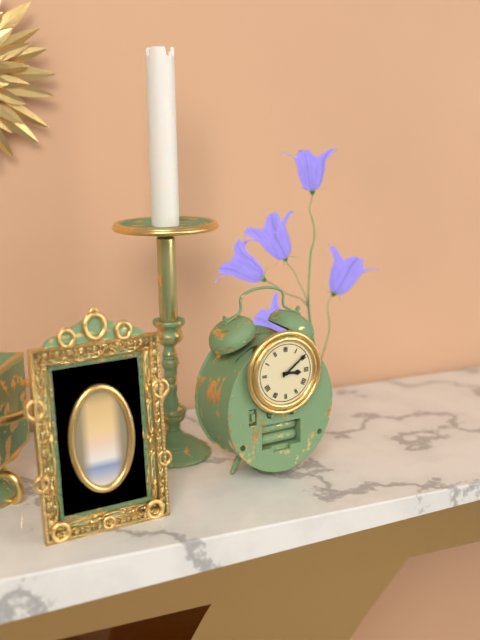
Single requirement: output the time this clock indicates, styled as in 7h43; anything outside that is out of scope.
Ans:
3h09
